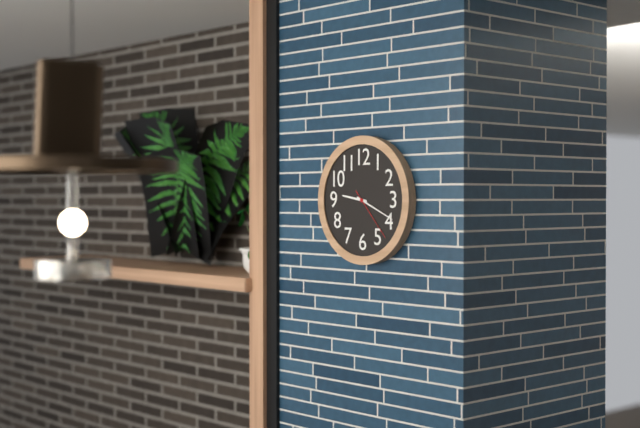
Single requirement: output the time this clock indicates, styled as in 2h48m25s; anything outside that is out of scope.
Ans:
9h19m23s
